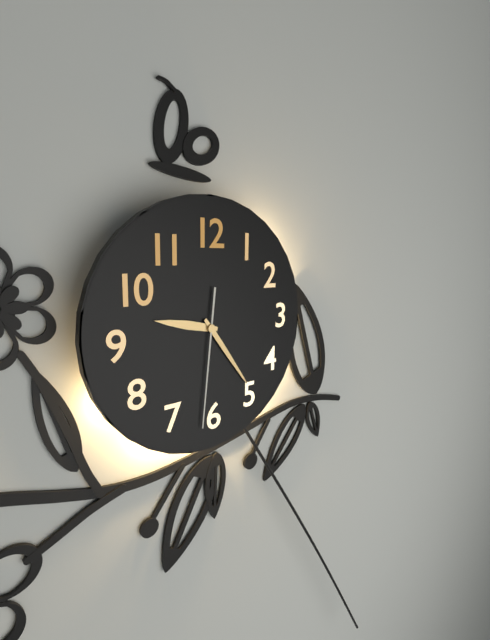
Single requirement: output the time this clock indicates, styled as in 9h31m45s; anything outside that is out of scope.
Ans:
9h24m31s
